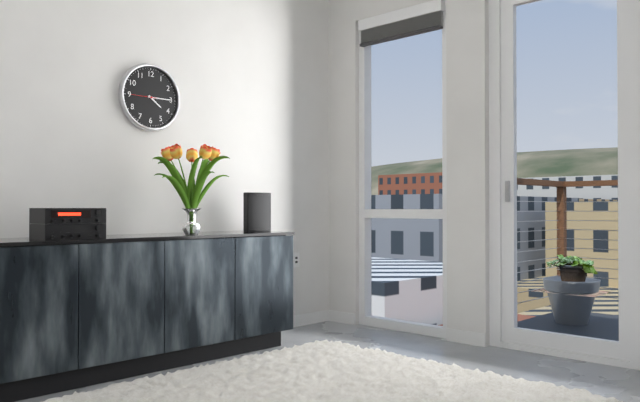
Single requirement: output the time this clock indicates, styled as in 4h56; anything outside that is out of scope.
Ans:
4h15
